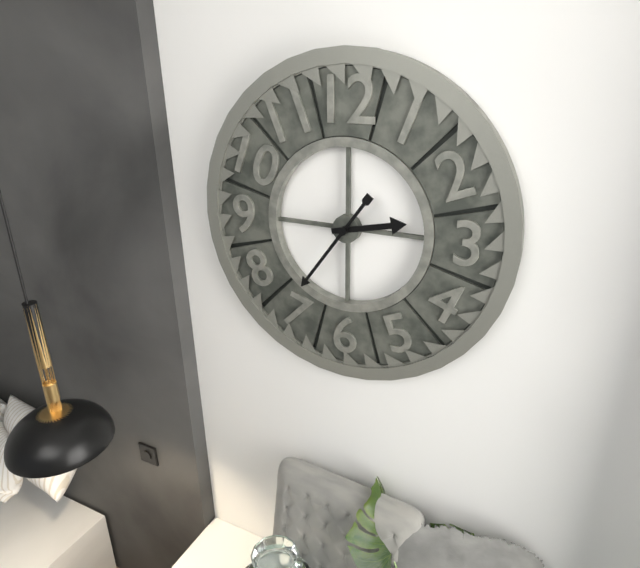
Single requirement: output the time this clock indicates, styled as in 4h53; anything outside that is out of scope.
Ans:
2h36
